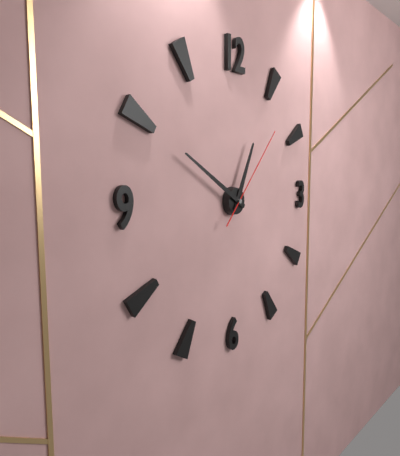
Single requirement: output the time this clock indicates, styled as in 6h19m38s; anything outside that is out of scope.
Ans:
12h50m07s
